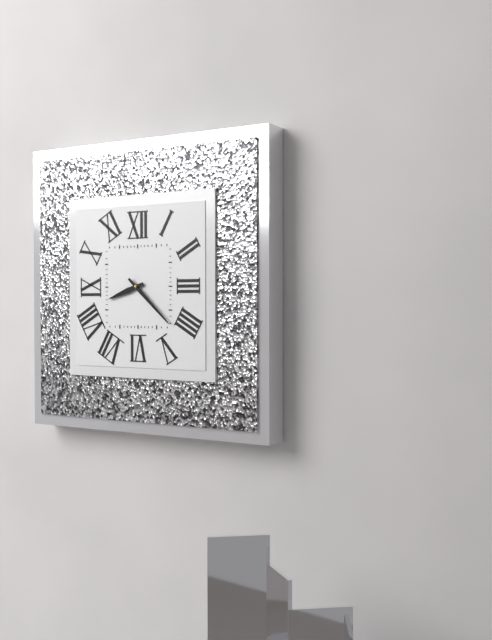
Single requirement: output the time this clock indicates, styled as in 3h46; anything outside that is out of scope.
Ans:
8h22
